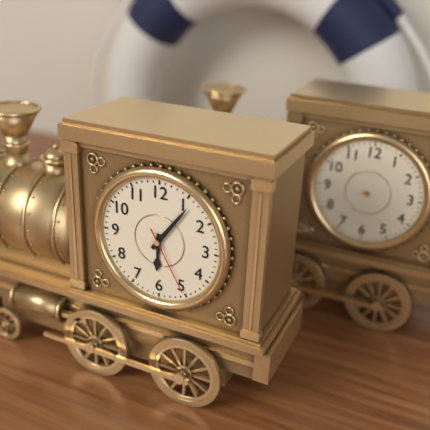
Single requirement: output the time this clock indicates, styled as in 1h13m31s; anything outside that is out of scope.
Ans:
6h06m25s
